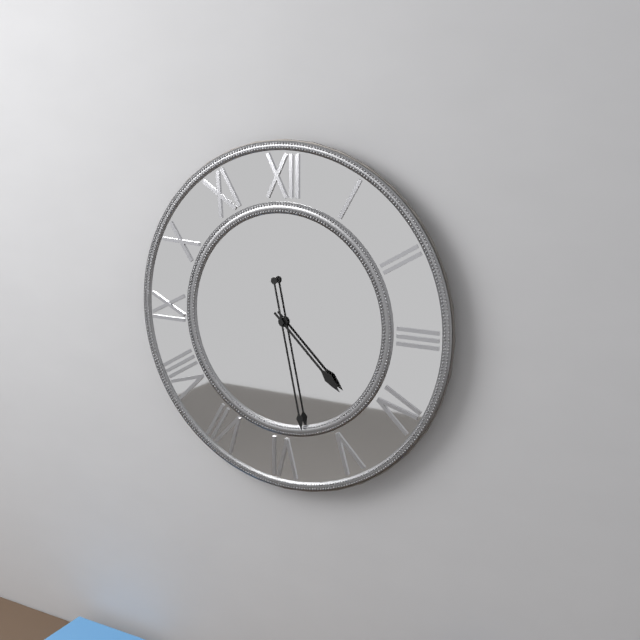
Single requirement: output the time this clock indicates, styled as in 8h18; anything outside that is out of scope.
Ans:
4h28
